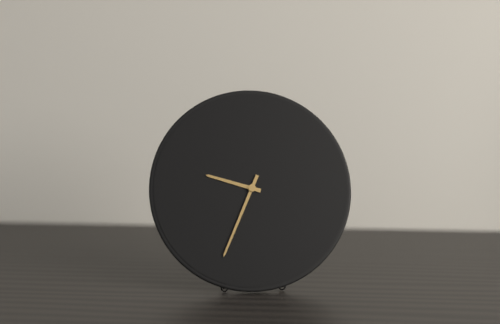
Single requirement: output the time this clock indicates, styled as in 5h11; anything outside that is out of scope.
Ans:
9h34
